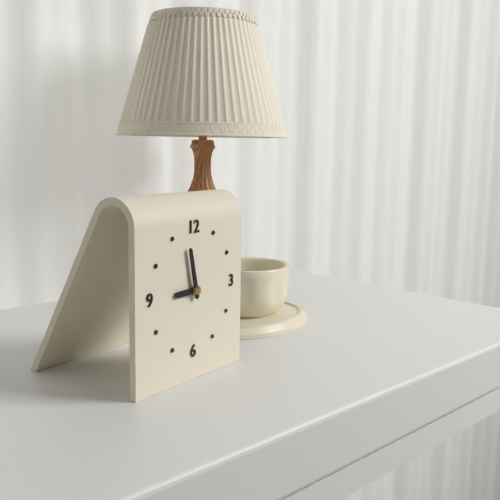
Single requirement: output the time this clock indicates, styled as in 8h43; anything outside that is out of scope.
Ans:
8h58
